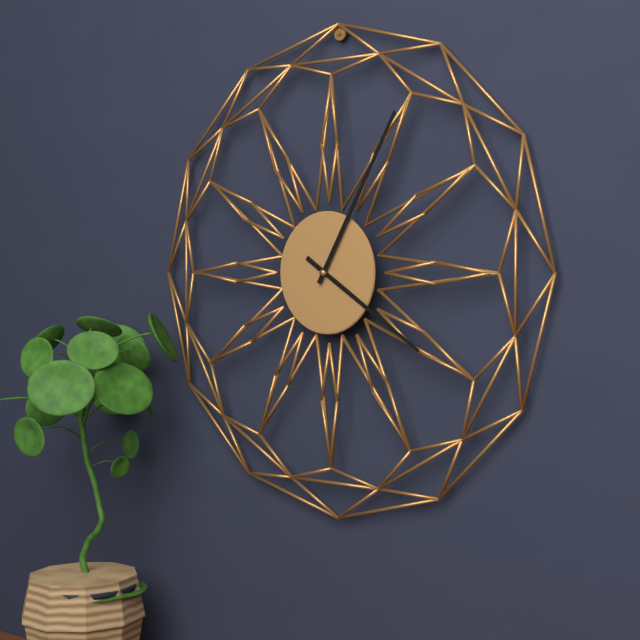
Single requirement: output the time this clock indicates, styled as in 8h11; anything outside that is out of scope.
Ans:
4h05
